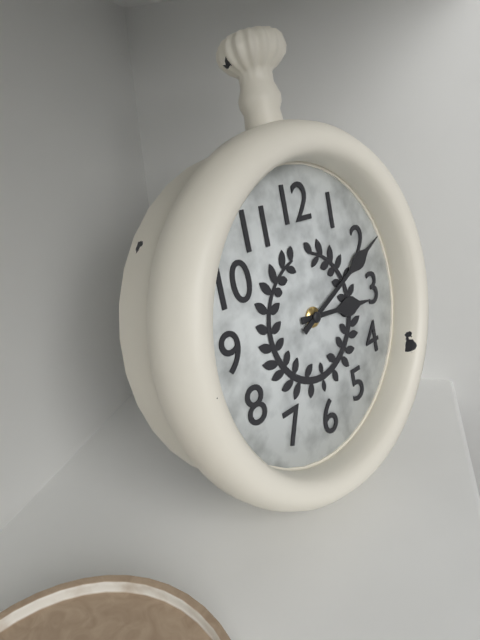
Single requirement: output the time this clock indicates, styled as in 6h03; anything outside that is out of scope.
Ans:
3h11
